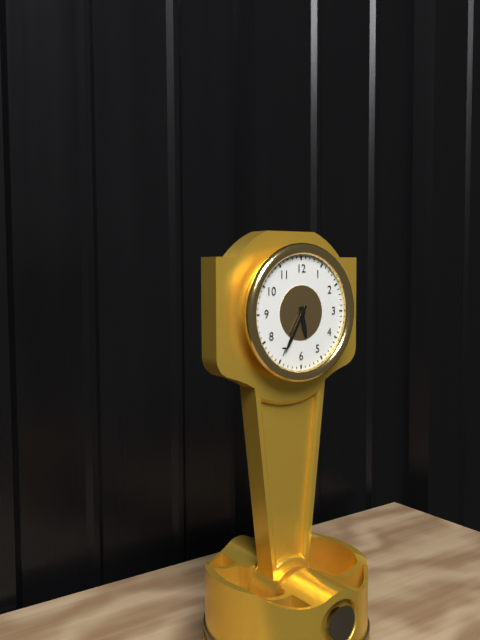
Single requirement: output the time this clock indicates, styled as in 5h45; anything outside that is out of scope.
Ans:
5h35
